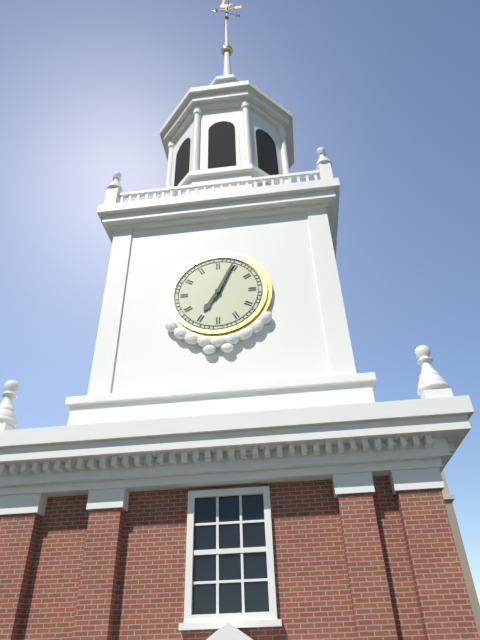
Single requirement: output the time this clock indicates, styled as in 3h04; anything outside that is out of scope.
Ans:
7h04
